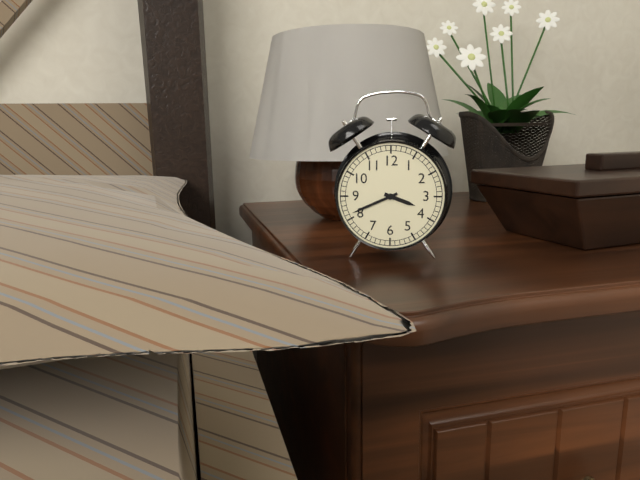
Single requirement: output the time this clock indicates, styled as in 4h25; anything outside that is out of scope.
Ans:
3h41
